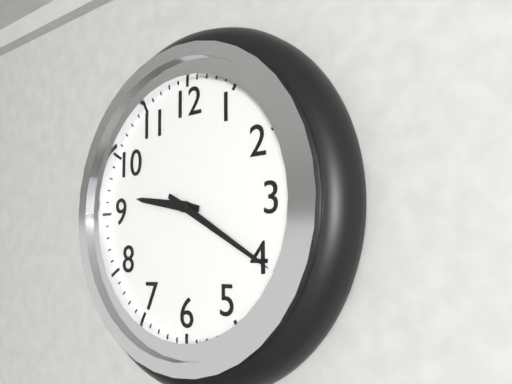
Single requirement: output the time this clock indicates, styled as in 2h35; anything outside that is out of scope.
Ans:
9h20
